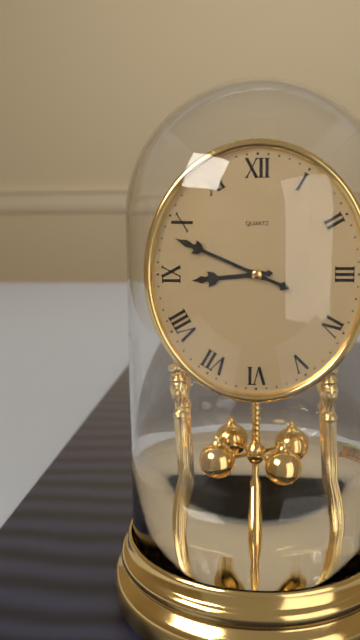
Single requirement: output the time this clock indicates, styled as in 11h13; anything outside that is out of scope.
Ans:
8h49
